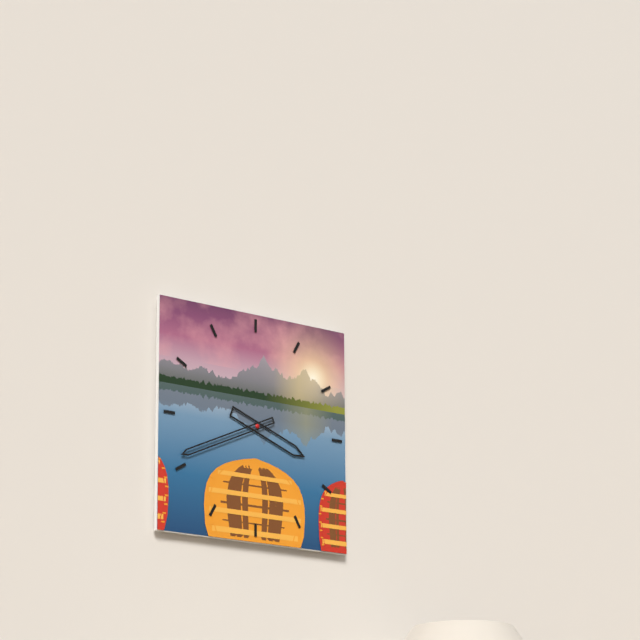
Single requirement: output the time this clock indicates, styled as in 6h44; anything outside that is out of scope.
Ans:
3h41
